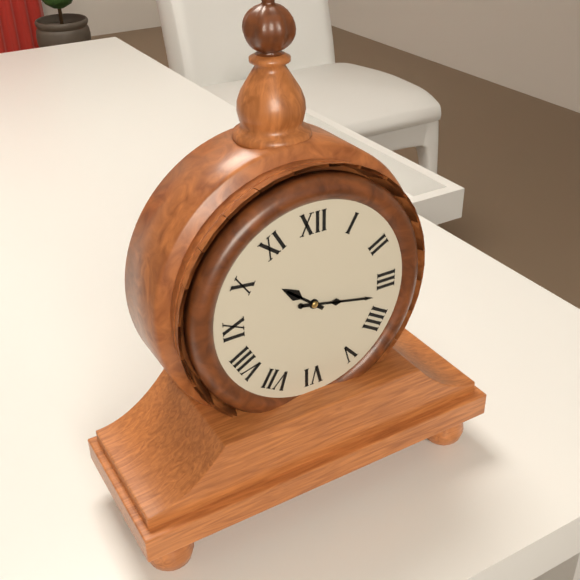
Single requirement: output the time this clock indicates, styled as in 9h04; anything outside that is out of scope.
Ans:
10h17
